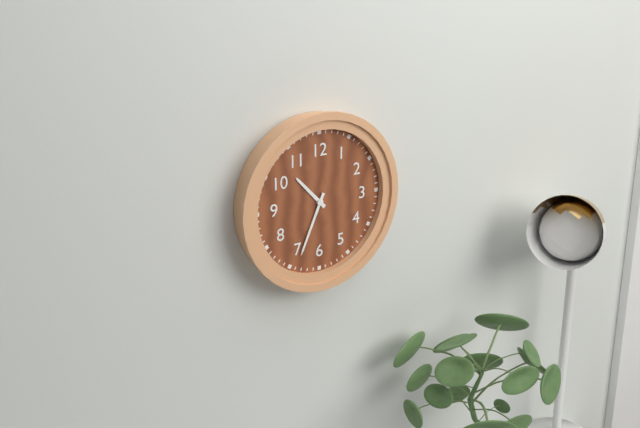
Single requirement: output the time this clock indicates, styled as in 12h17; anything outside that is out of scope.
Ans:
10h34
